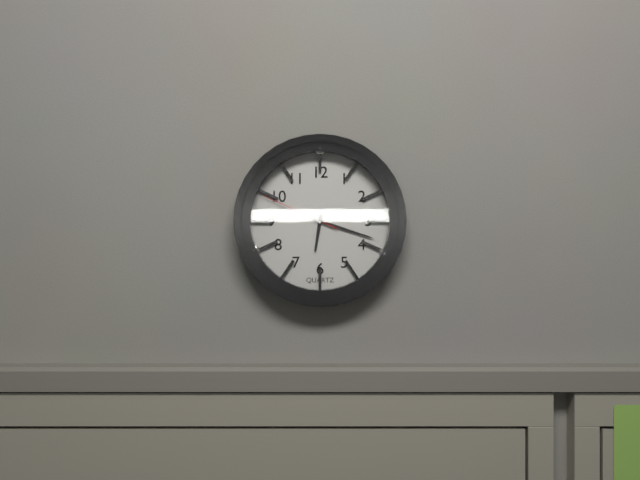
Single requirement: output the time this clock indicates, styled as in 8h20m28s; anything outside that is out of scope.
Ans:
6h18m49s
